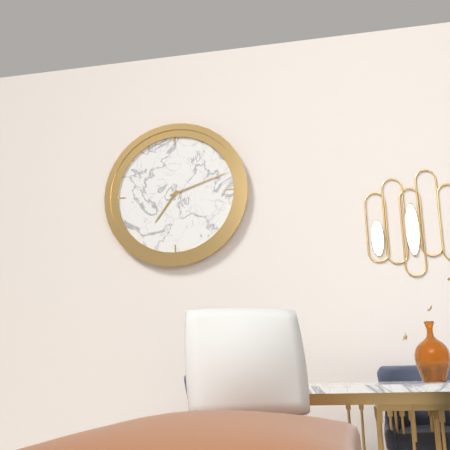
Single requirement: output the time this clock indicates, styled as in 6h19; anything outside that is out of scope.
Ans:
7h12
